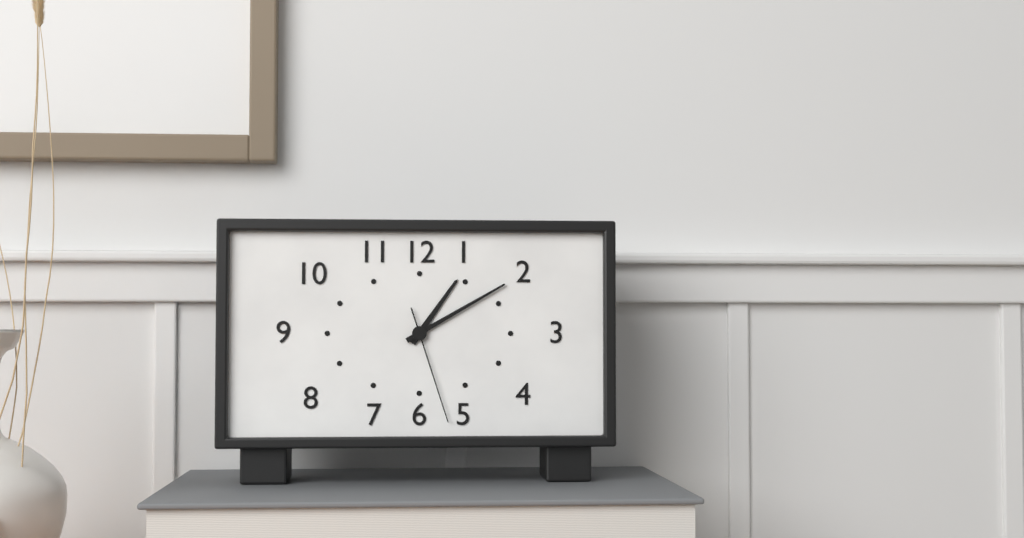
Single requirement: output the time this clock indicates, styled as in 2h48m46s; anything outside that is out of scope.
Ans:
1h10m27s
